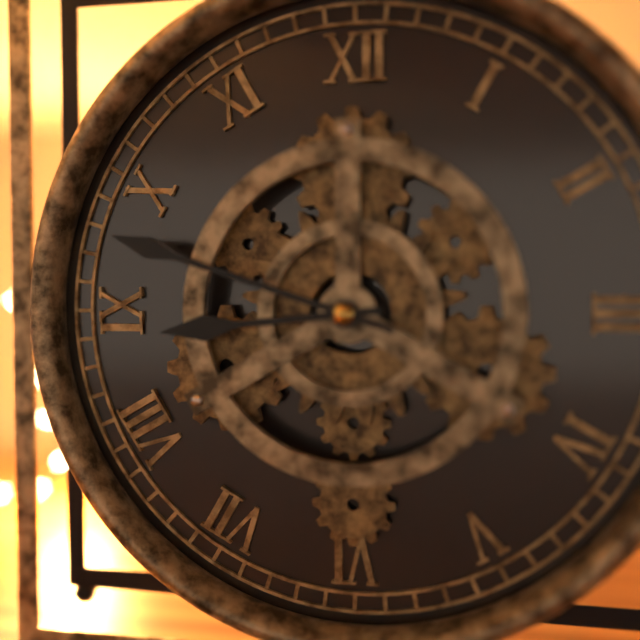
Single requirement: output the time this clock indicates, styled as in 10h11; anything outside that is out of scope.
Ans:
8h48
